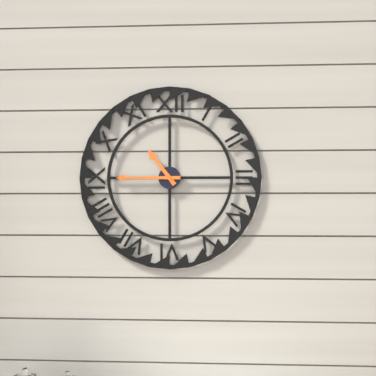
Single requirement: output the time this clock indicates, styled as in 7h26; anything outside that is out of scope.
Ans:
10h45
